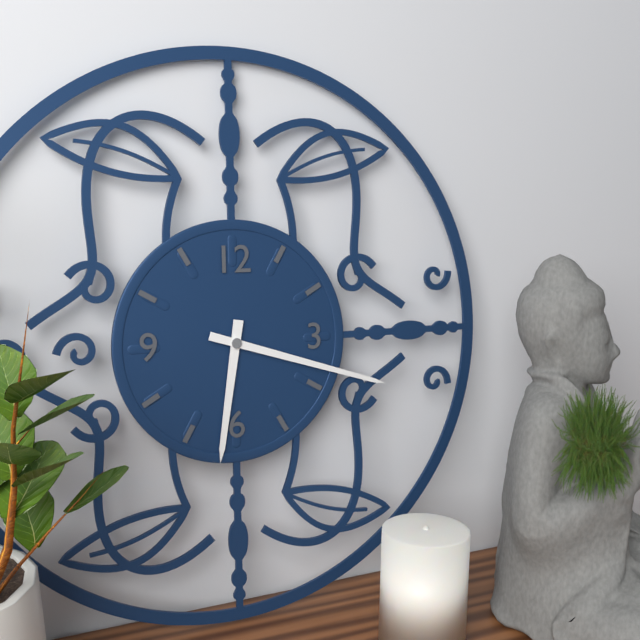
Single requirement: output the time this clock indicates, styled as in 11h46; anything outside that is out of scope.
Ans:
6h18
